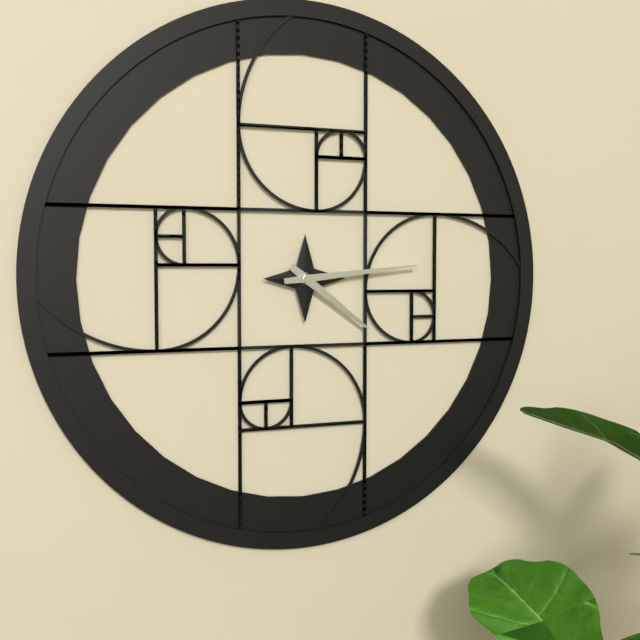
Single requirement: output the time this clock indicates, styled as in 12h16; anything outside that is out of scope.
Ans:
4h14
